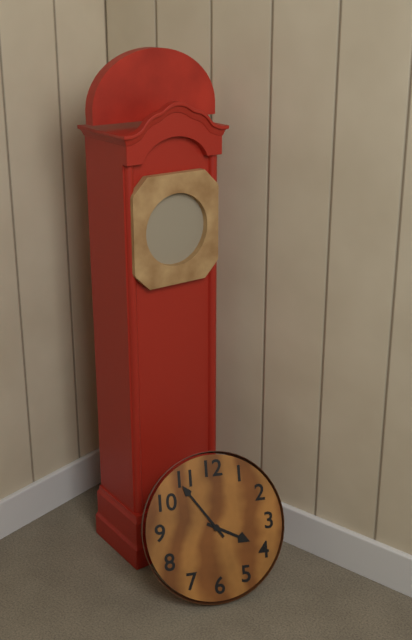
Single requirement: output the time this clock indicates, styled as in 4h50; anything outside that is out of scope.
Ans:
3h54
